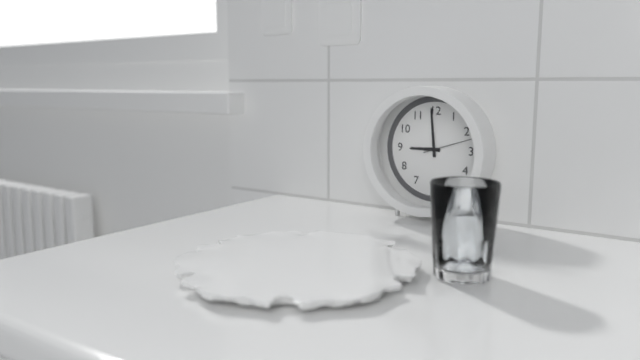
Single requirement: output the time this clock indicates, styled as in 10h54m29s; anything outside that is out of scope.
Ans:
8h59m12s
